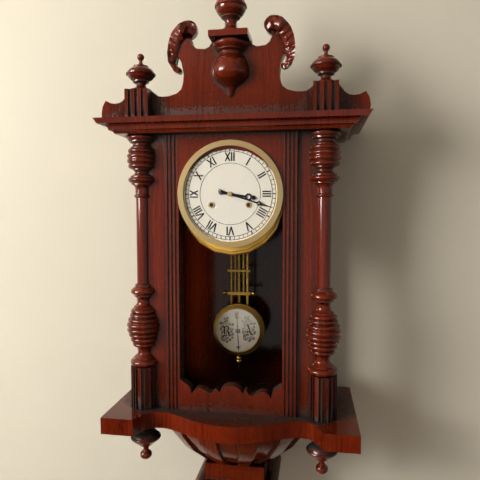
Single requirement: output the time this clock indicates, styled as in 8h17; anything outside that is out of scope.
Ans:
3h18
